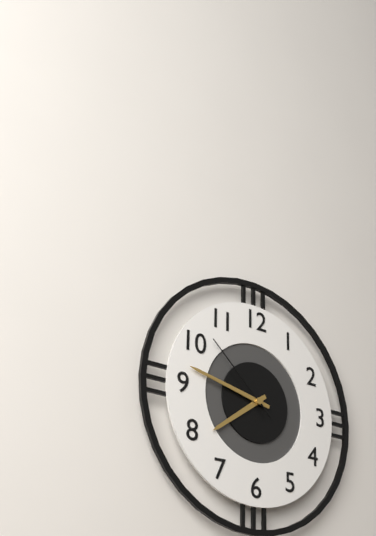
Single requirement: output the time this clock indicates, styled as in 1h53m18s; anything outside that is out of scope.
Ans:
7h47m52s
